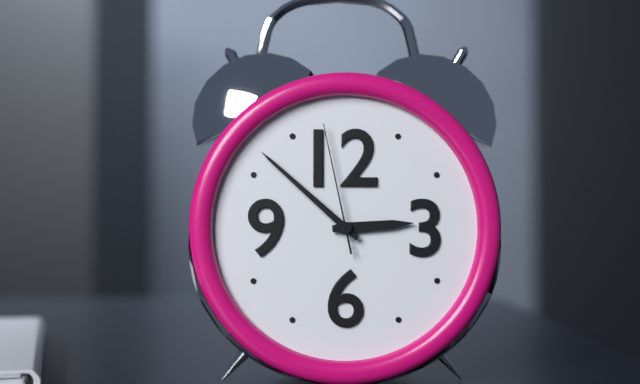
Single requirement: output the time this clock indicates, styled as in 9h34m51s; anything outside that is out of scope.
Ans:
2h52m58s
